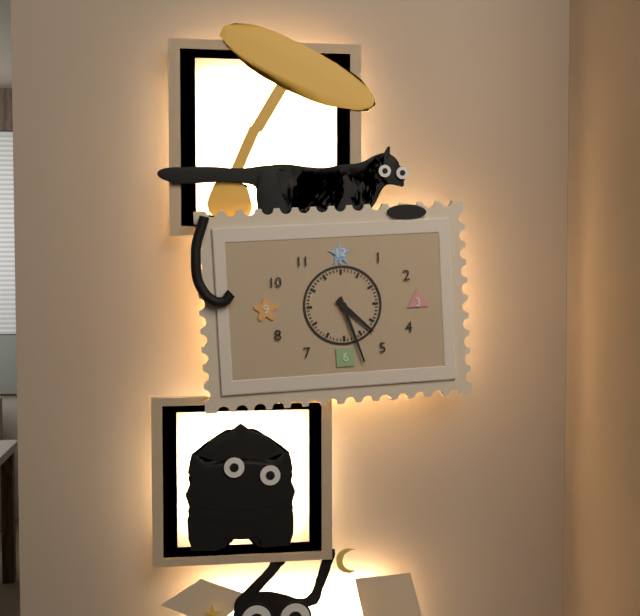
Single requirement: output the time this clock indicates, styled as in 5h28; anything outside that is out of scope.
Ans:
4h27
